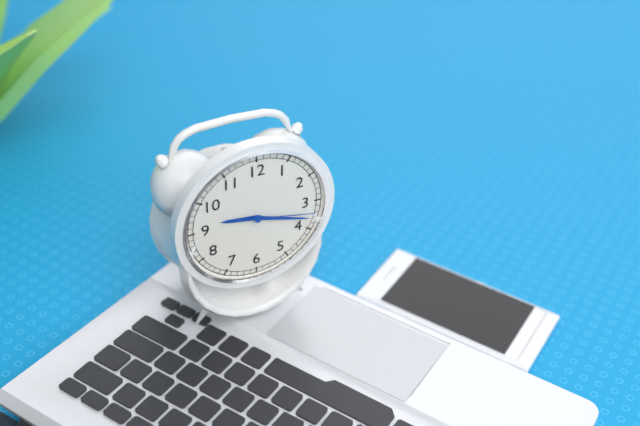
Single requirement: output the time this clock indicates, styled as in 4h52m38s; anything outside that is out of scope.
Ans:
9h18m17s
